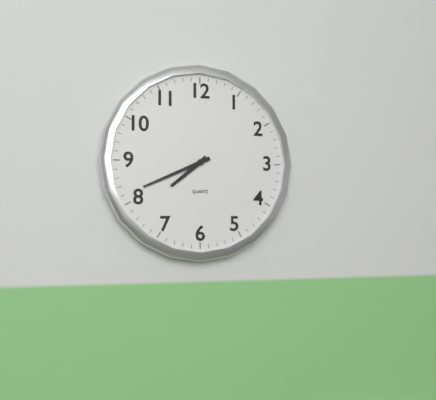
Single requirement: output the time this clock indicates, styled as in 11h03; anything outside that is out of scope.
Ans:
7h41
